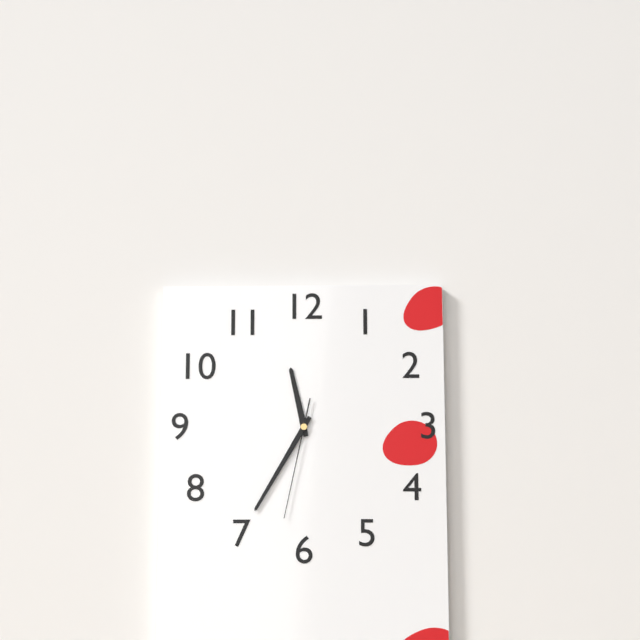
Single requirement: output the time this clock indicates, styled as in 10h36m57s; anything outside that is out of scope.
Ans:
11h35m32s
